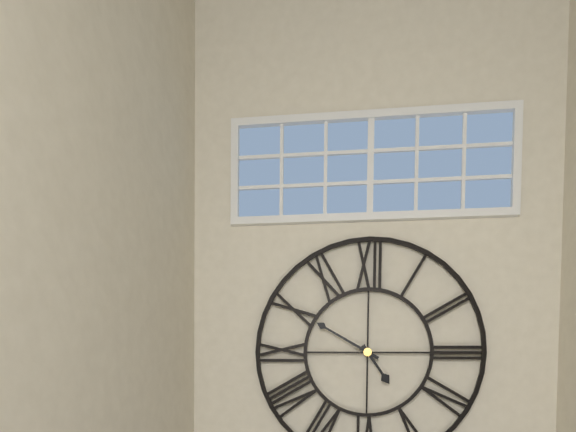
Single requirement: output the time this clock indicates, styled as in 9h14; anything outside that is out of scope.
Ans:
4h50
